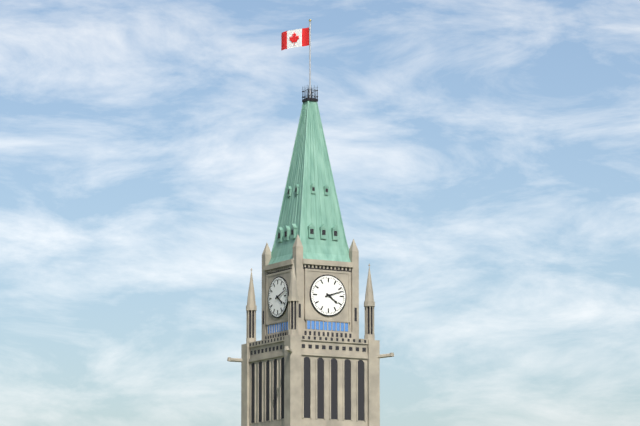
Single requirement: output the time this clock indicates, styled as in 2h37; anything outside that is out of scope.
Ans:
4h12
